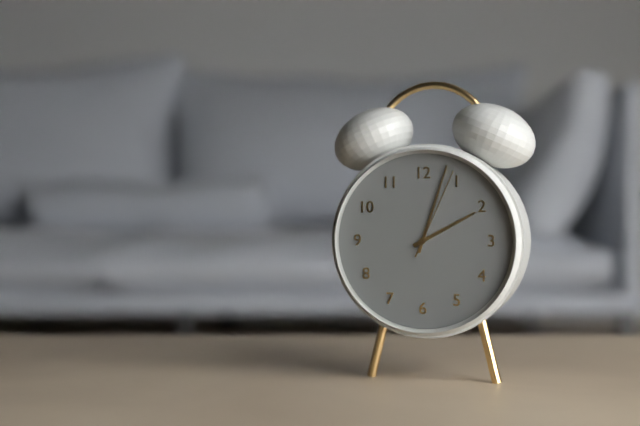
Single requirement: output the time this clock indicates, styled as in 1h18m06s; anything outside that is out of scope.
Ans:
2h03m04s
